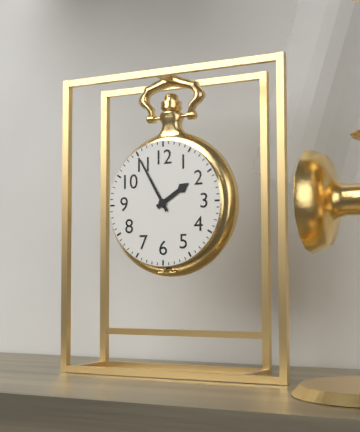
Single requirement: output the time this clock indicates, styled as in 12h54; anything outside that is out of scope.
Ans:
1h55
